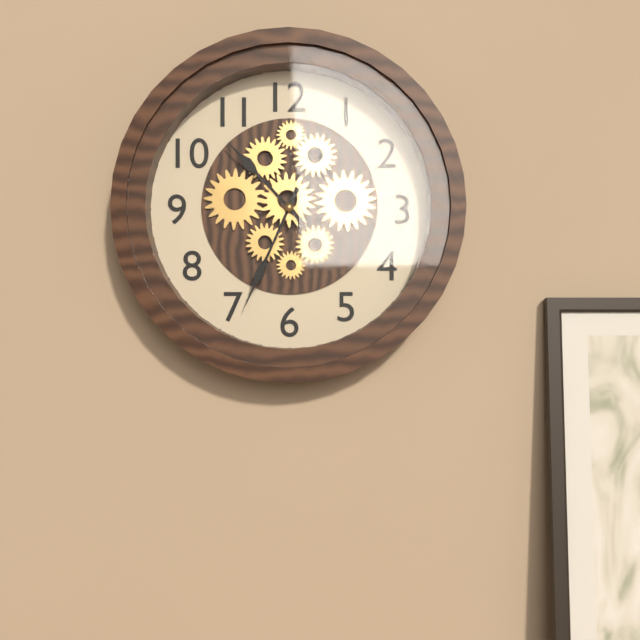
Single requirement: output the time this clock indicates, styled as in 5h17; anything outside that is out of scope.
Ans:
10h34
